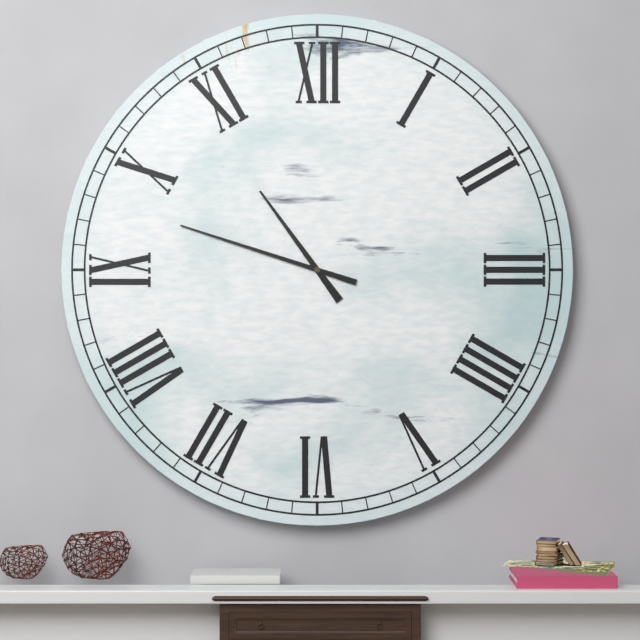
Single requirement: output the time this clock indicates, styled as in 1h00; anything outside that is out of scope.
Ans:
10h48
